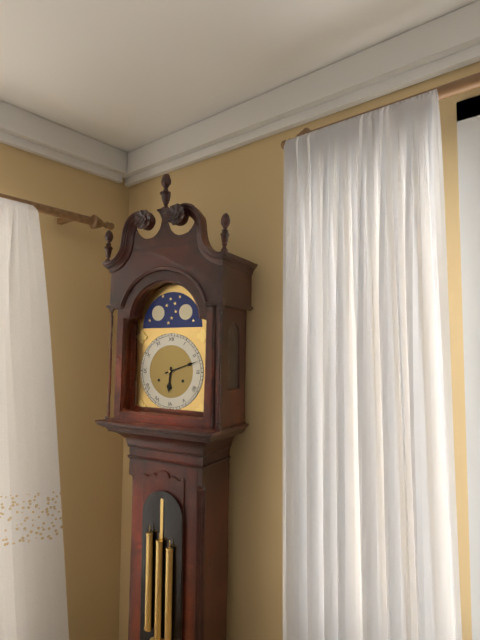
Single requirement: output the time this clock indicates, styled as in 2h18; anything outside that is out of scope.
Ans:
6h12
